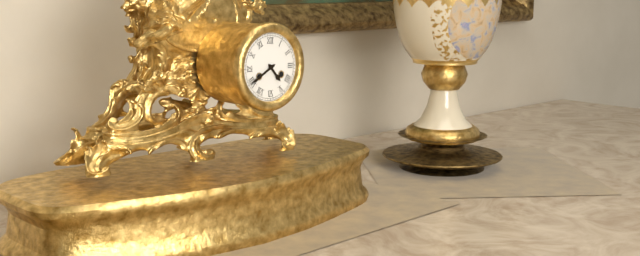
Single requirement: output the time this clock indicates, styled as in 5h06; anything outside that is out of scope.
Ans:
4h40
